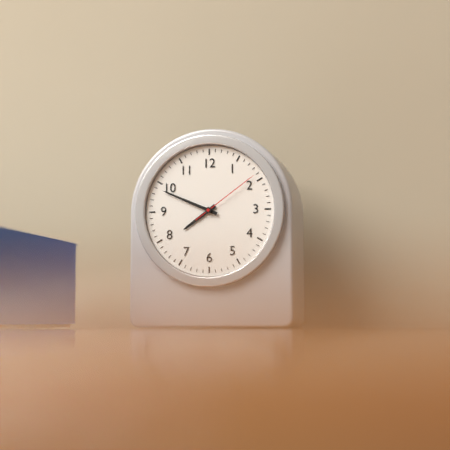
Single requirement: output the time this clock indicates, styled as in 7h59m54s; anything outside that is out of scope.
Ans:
7h49m09s
